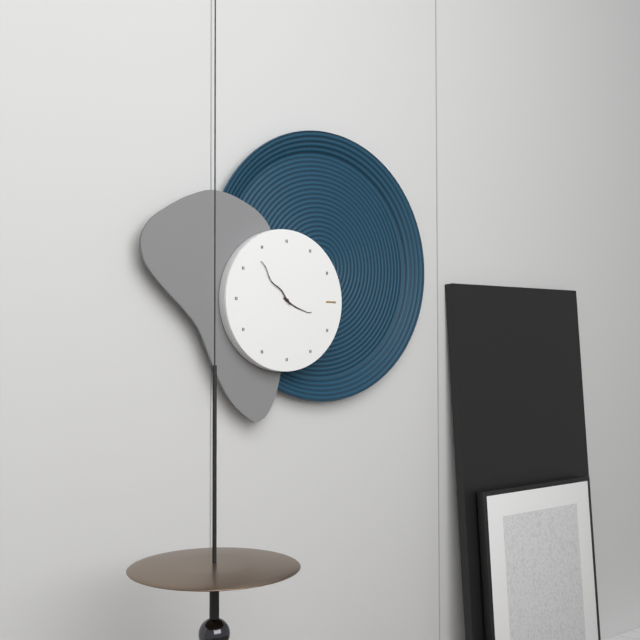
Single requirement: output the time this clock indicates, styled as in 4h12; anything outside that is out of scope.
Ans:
3h53
